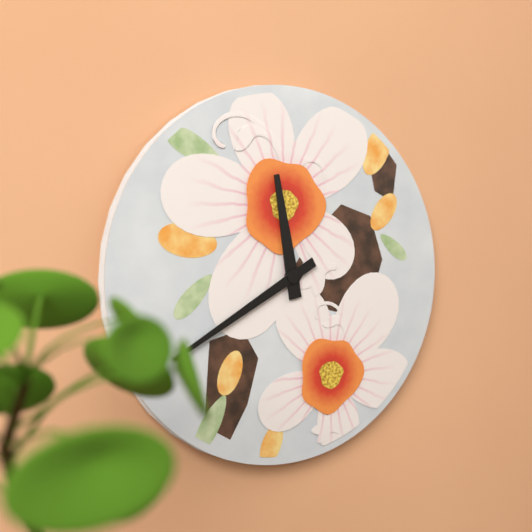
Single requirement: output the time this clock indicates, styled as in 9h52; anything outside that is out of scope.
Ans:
11h40
